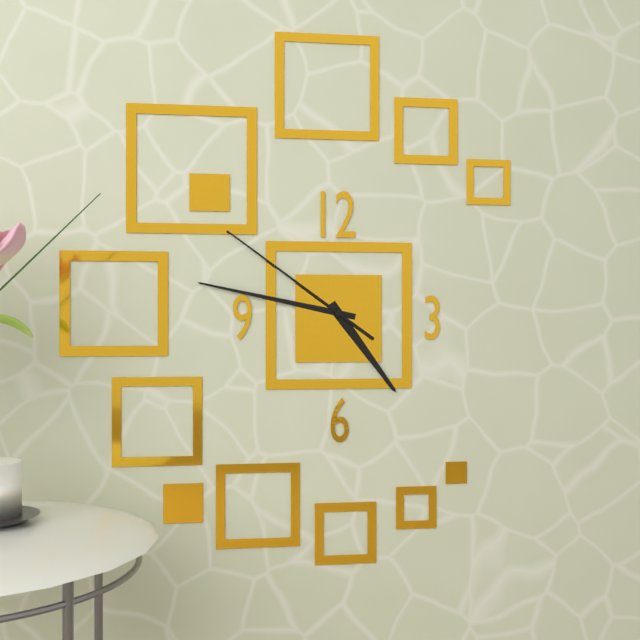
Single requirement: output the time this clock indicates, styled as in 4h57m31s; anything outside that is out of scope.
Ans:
4h47m51s
